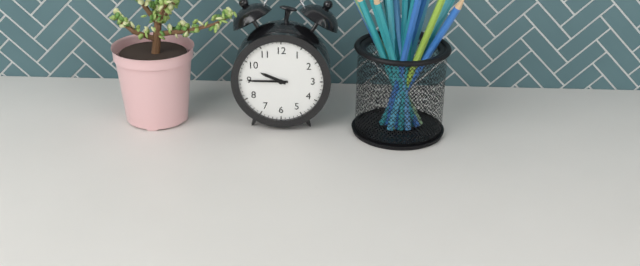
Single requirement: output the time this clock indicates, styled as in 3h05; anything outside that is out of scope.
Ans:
9h45
